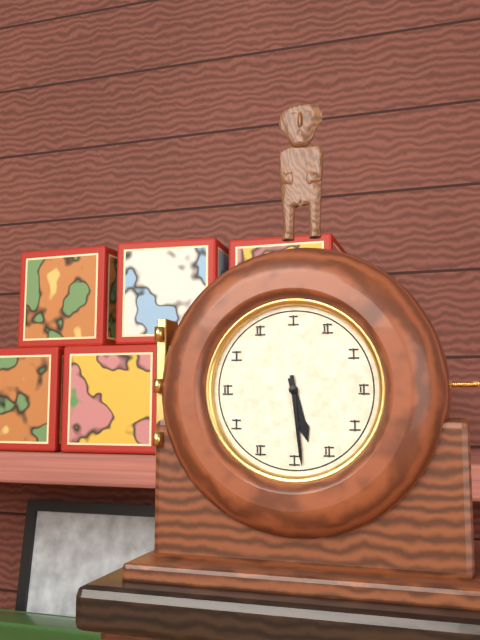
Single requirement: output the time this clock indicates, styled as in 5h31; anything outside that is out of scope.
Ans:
5h29
